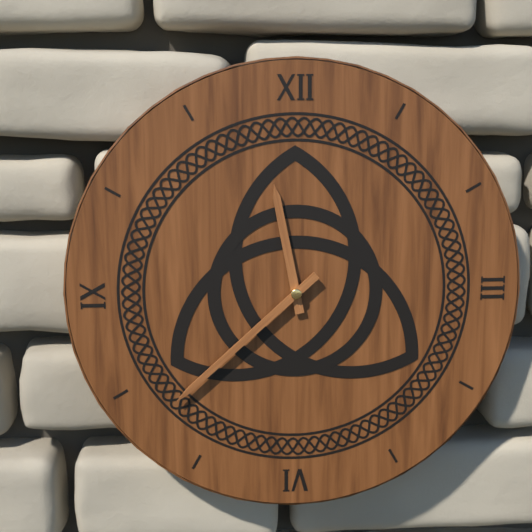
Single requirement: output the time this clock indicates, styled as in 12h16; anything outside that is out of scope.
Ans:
11h38
